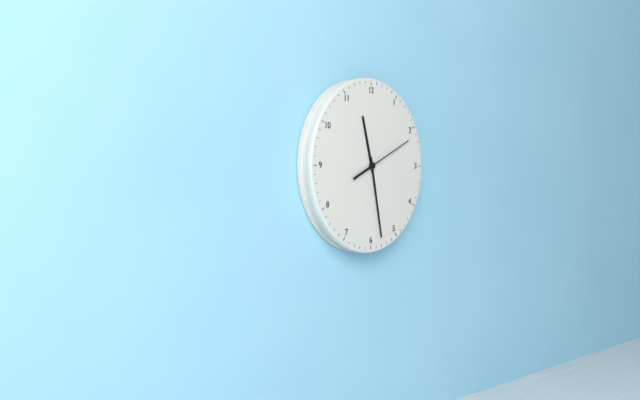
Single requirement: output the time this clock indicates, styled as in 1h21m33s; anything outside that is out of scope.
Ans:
11h28m11s
